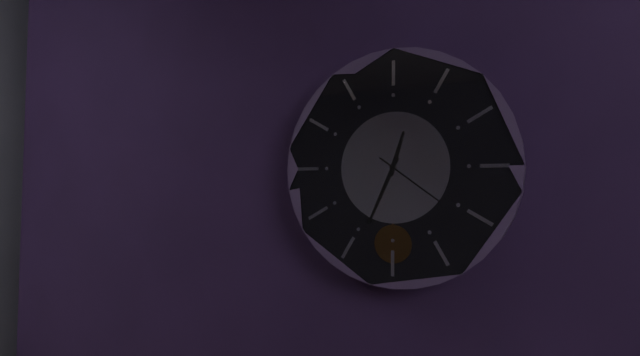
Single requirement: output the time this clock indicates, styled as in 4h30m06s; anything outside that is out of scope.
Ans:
12h34m21s
